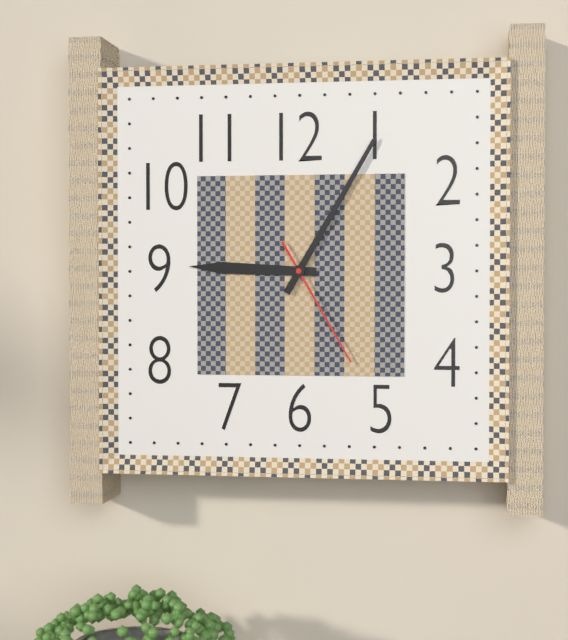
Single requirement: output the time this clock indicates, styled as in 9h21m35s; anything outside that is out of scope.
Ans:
9h05m25s
